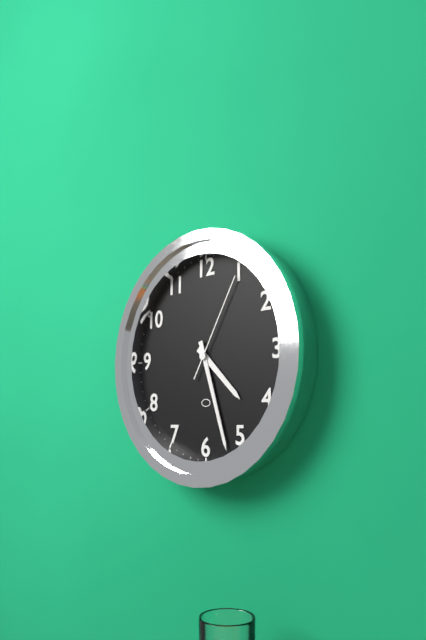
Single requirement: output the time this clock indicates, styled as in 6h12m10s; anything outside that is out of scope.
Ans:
4h27m05s
